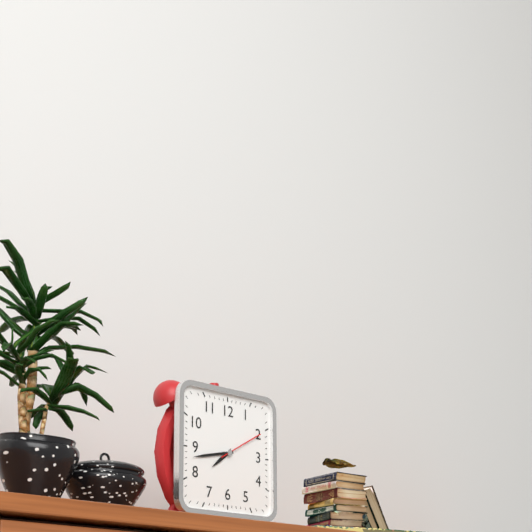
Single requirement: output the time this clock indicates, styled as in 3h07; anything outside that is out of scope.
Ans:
7h43
